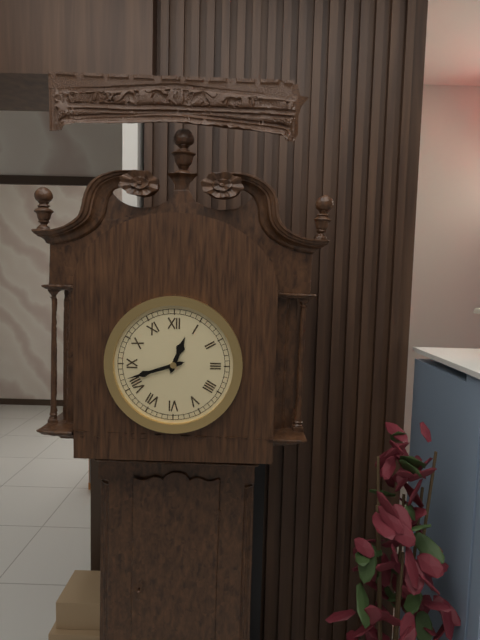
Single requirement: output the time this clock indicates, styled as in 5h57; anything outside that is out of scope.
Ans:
12h42
